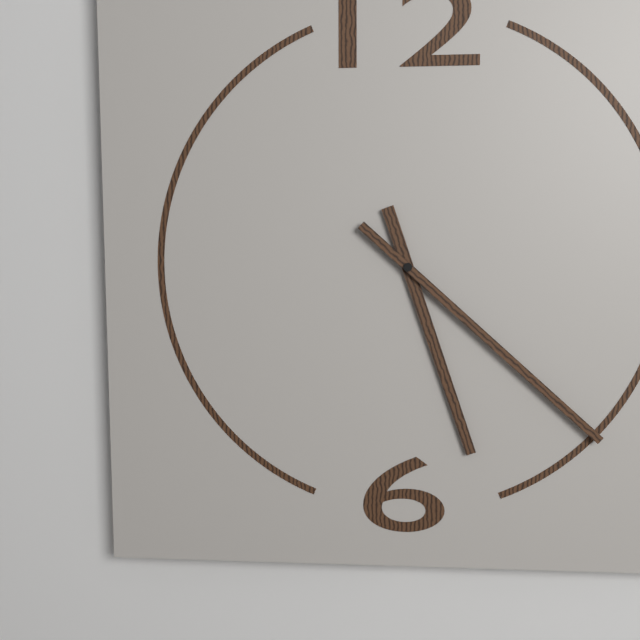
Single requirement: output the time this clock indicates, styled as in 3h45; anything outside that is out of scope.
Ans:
5h22
